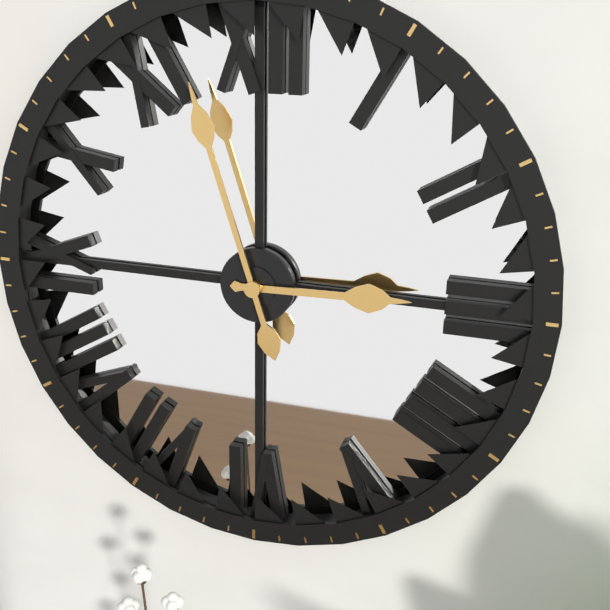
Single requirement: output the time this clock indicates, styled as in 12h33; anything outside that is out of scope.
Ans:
2h57
